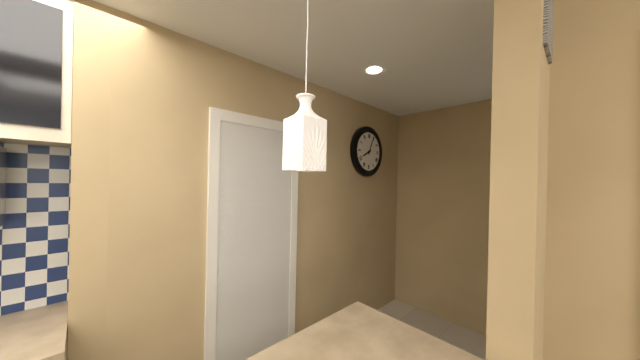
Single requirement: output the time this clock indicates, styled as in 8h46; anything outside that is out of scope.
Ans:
8h04
